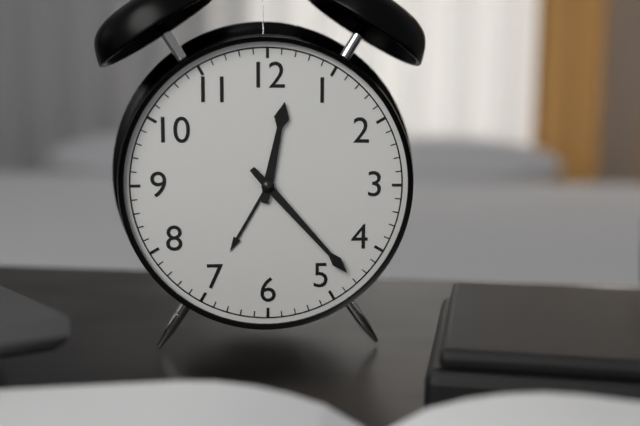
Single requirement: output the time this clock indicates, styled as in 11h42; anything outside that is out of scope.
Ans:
12h23
